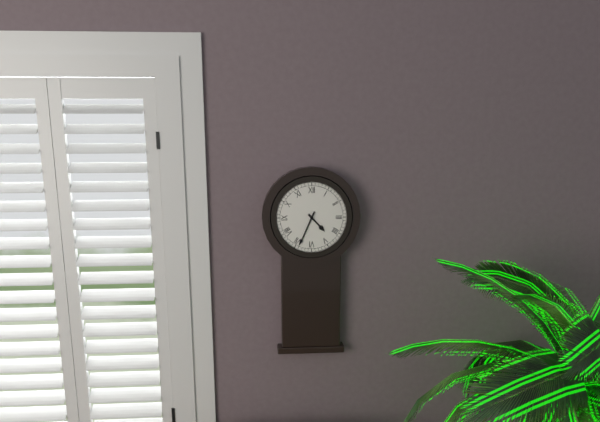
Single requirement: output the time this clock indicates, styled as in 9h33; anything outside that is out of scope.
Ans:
4h34
